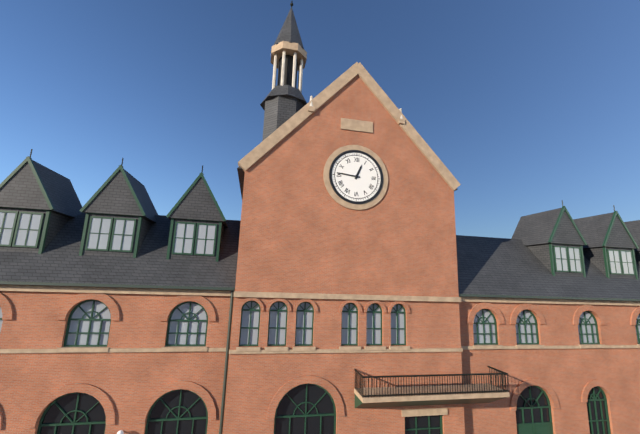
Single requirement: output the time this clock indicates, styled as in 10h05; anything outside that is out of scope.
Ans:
12h46
